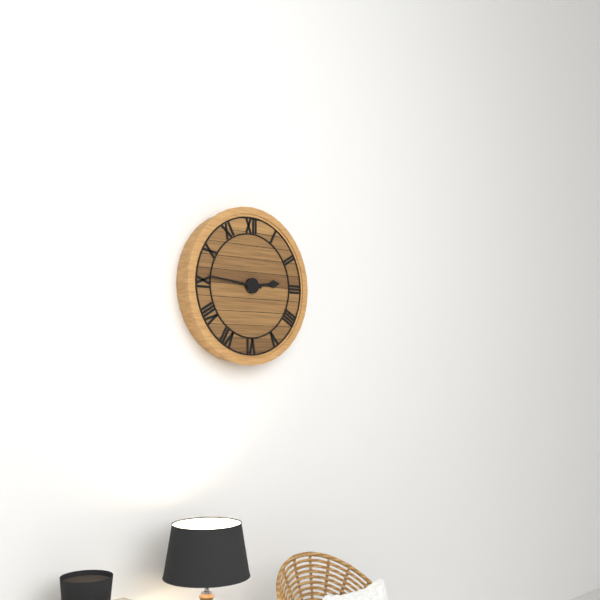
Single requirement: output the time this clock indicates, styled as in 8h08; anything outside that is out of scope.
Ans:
2h46
